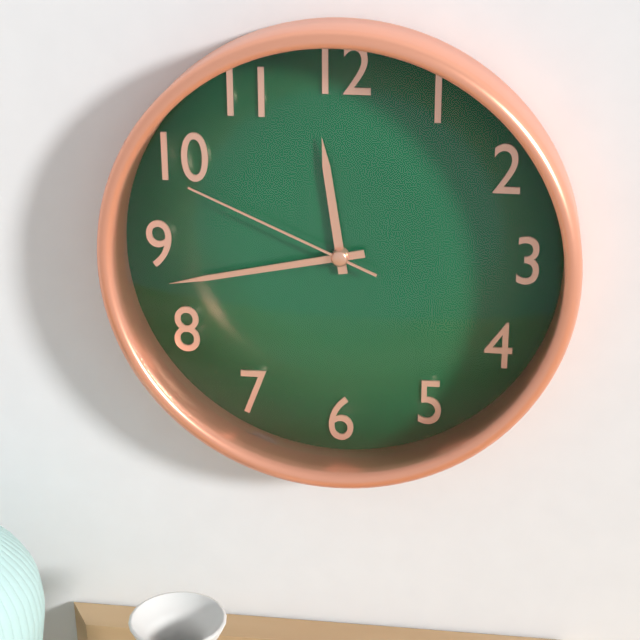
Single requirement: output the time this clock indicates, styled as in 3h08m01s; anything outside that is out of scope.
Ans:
11h43m49s
